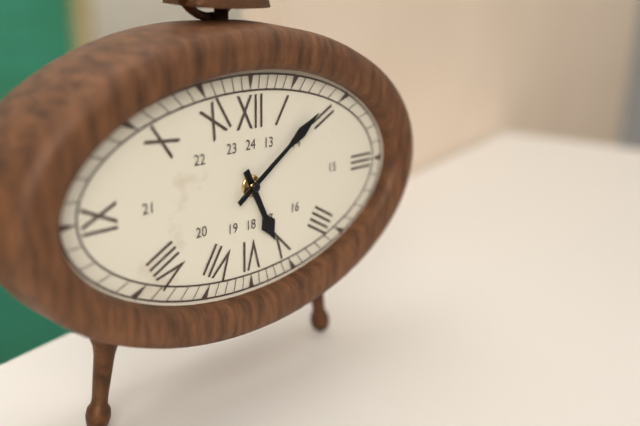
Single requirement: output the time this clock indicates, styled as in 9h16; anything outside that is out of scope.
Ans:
5h09
